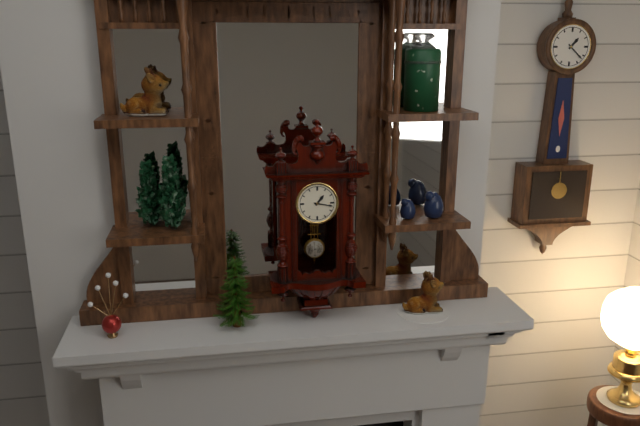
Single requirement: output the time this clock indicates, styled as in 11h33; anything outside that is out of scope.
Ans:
1h17
